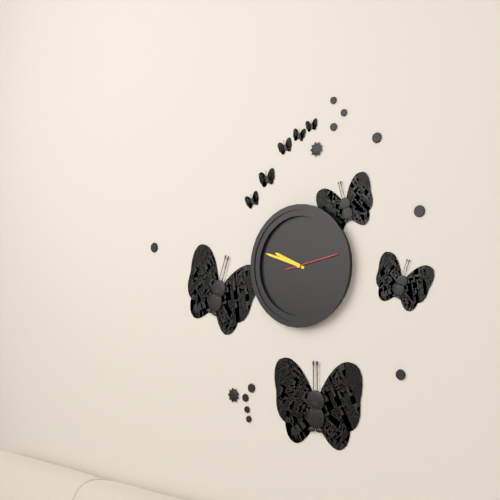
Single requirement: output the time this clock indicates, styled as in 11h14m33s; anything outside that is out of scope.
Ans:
9h48m13s
